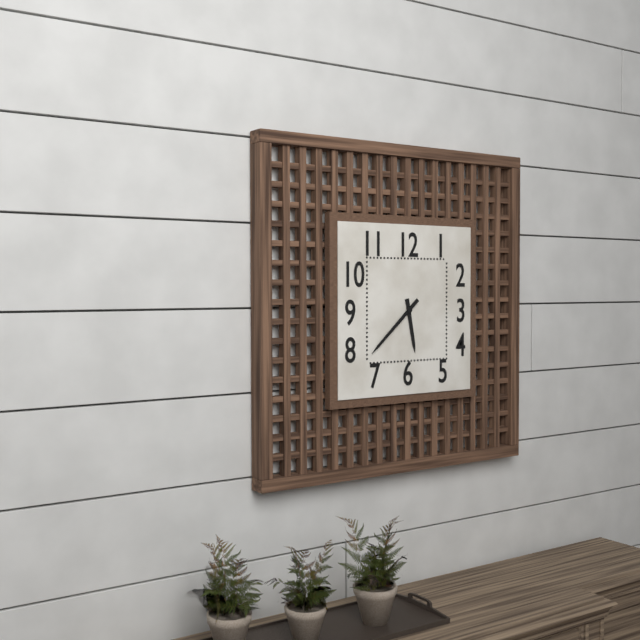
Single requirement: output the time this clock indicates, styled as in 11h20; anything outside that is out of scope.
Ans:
5h38
